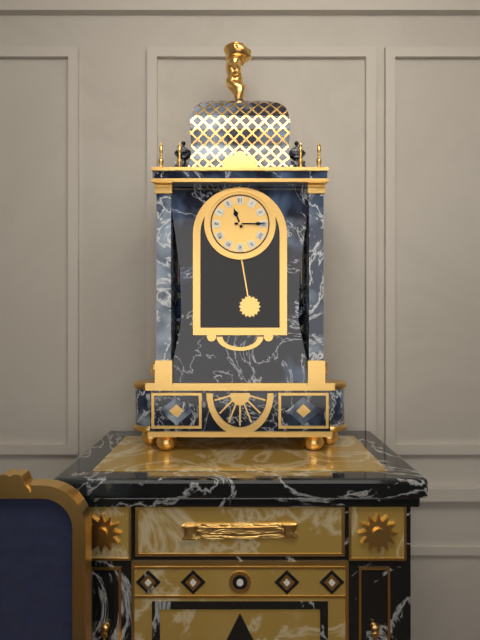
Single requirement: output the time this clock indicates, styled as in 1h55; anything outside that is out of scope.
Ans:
11h15
